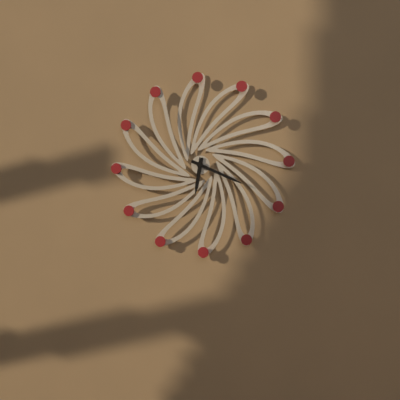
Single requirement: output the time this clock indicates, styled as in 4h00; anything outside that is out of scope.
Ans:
6h19
